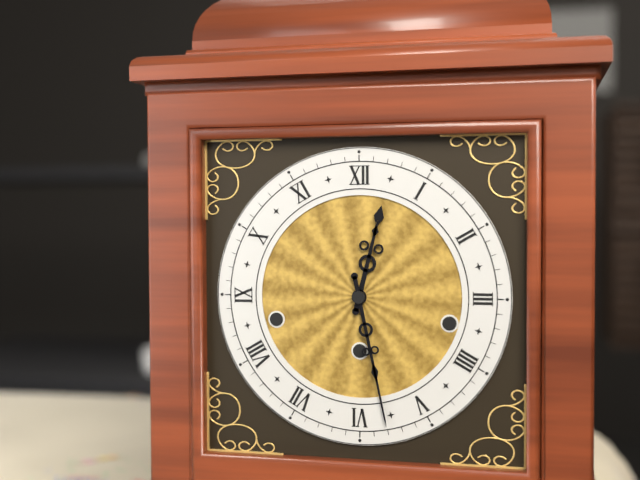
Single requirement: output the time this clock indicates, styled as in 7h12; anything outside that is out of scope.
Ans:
12h28
